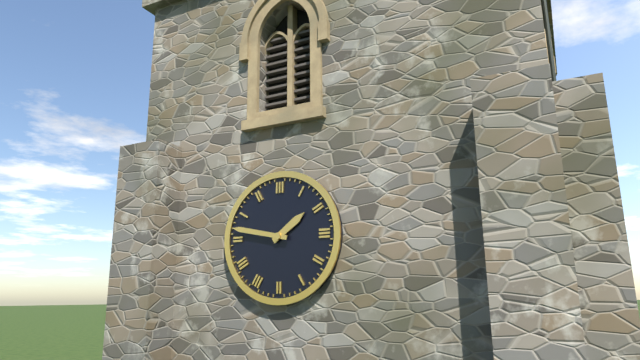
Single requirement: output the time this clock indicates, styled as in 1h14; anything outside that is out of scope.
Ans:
1h47
